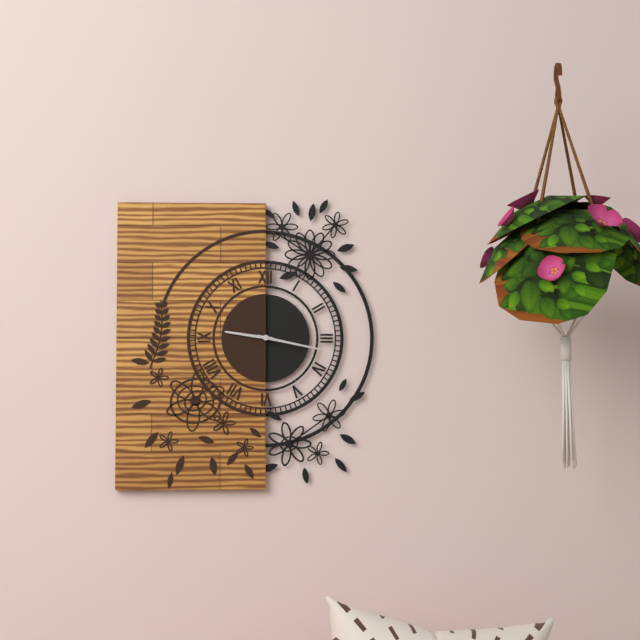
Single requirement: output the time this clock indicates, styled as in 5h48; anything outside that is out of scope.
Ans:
9h17
